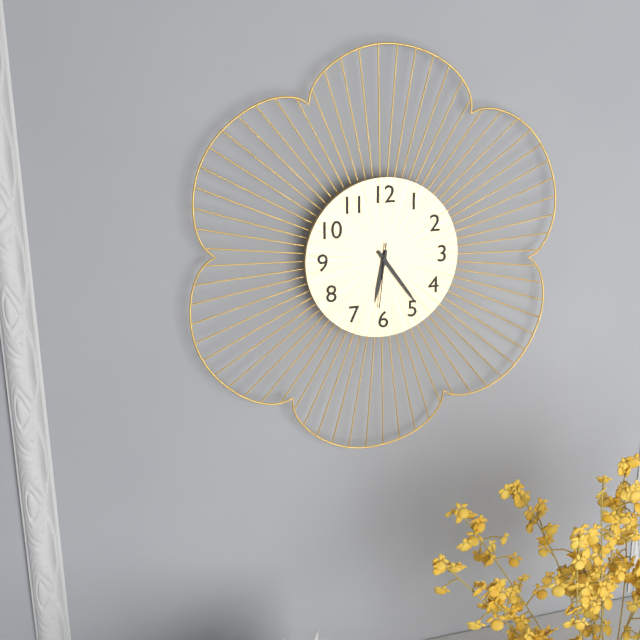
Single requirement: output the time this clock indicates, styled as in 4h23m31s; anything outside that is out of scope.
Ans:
6h24m31s
